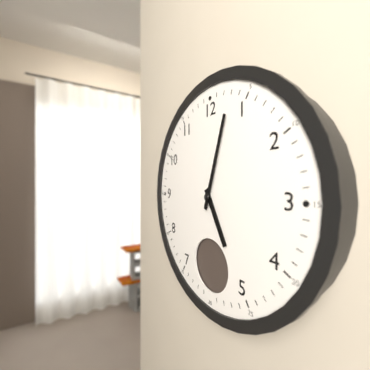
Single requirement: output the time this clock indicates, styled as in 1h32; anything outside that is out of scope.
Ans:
5h03
